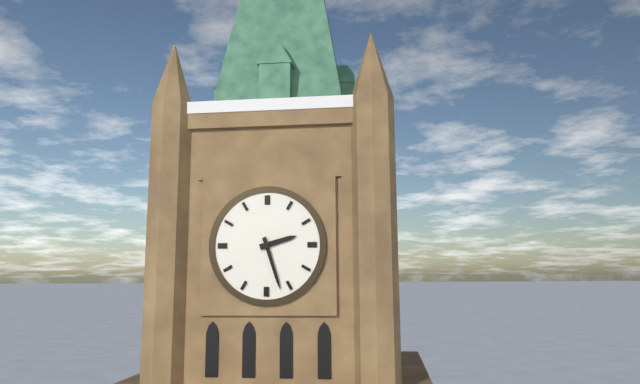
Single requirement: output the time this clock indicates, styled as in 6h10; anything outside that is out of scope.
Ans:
2h27
